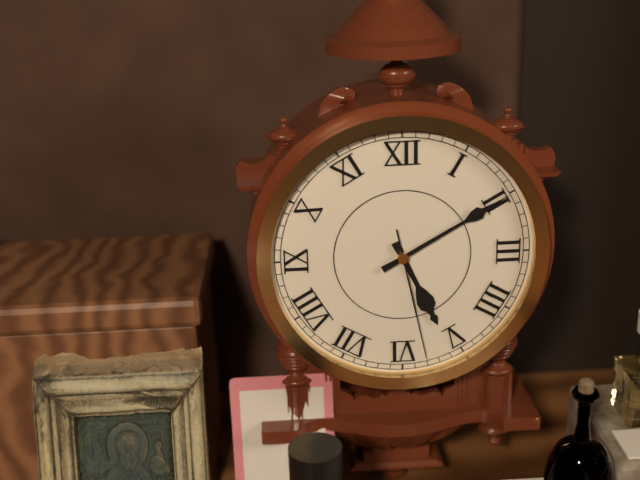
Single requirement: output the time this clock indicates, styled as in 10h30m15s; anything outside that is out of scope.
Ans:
5h10m28s
